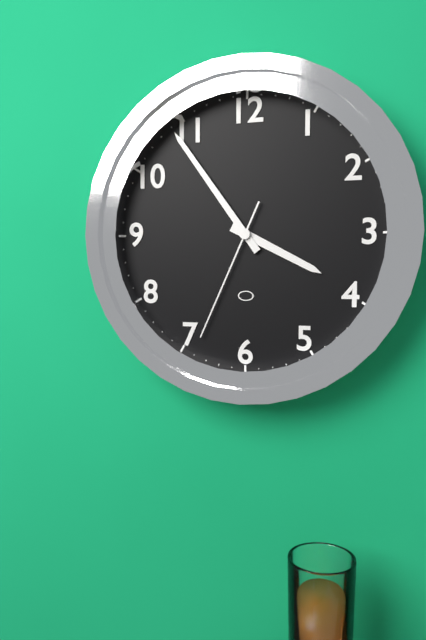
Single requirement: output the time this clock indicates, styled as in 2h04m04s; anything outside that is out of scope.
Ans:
3h54m34s
